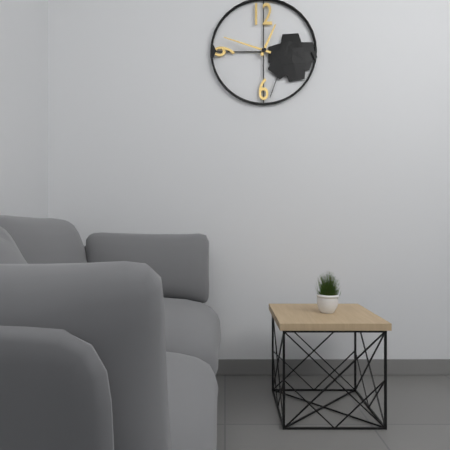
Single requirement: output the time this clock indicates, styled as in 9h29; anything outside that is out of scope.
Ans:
12h48
